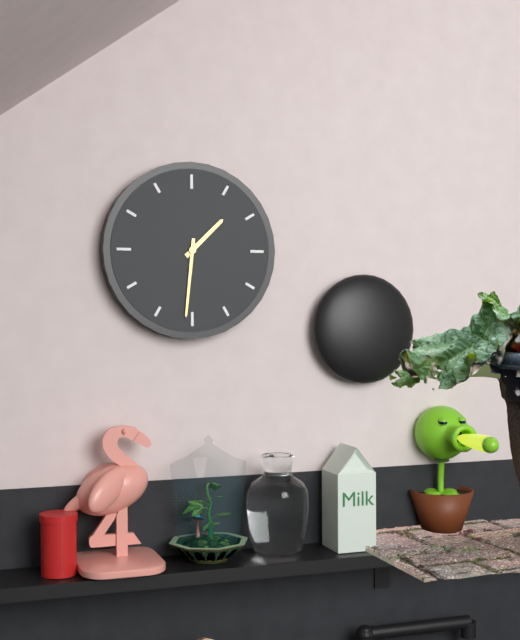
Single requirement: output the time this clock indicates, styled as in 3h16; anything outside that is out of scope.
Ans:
1h31
